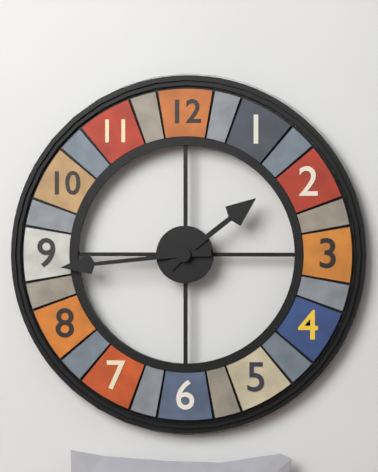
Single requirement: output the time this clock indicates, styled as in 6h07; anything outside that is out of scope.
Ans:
1h44
